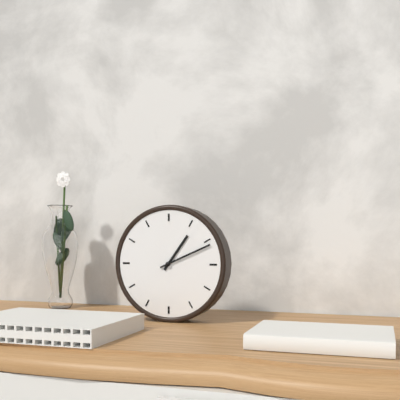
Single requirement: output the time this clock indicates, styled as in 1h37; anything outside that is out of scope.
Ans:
1h11
